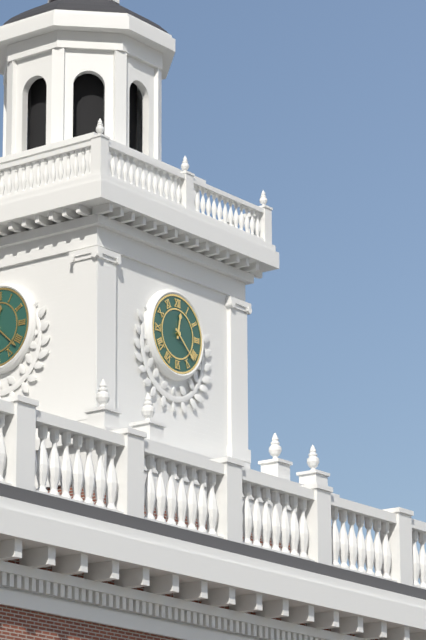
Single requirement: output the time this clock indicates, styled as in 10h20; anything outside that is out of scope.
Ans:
12h22
